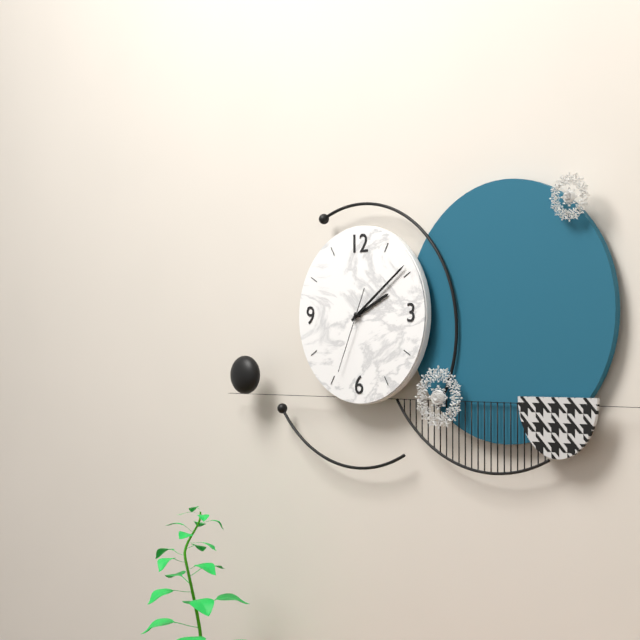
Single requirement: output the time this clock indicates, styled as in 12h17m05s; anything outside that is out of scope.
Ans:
2h09m34s
